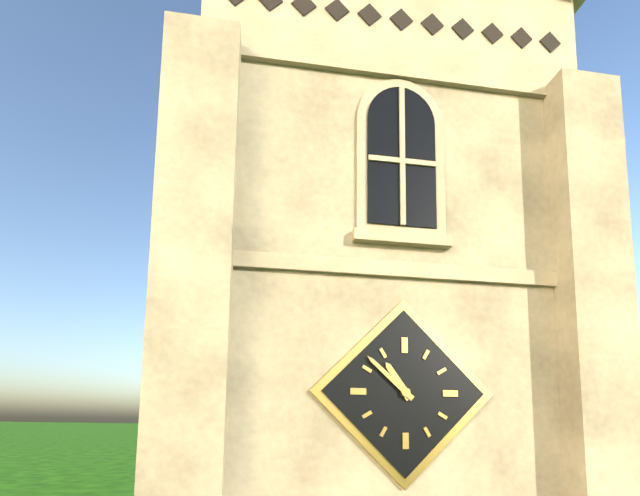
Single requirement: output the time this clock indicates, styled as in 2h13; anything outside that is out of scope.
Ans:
10h52
